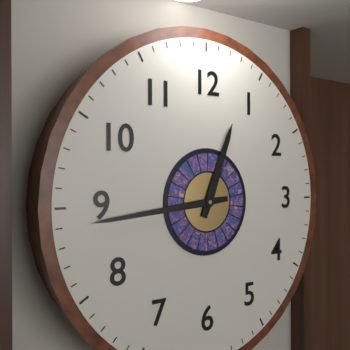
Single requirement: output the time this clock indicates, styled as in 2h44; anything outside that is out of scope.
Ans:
12h44
